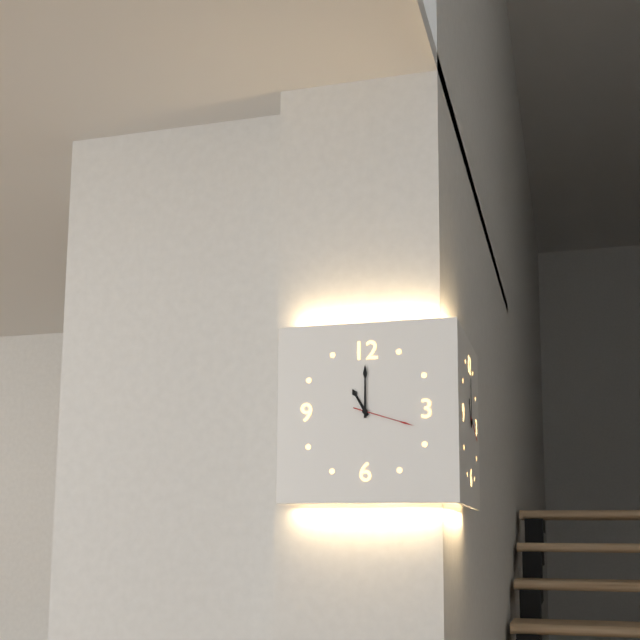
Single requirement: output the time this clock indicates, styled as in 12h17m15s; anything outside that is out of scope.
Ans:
11h00m18s
